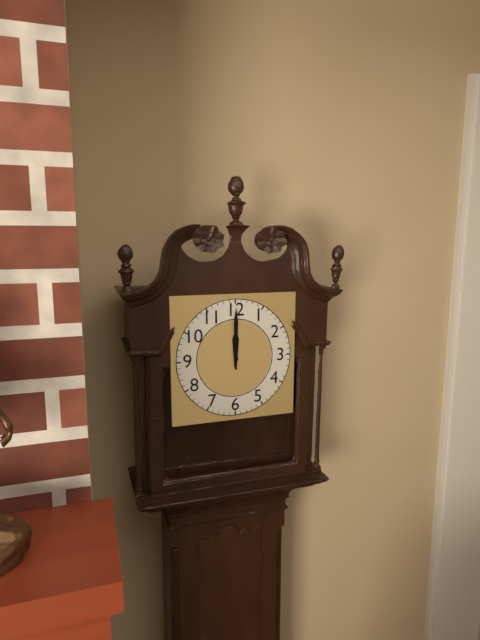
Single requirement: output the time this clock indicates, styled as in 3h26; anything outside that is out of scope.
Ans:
12h00
